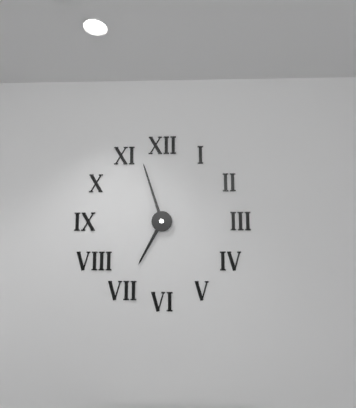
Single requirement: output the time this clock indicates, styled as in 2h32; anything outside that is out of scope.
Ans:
6h57
